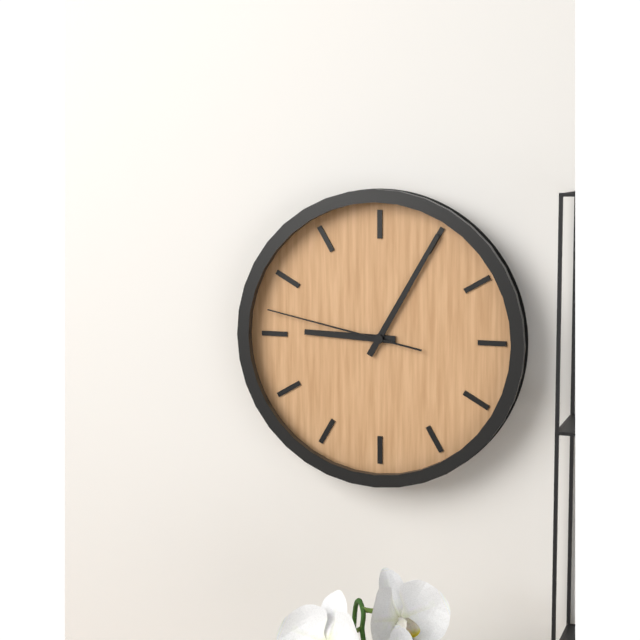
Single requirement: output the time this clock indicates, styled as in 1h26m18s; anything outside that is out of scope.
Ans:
9h05m47s
